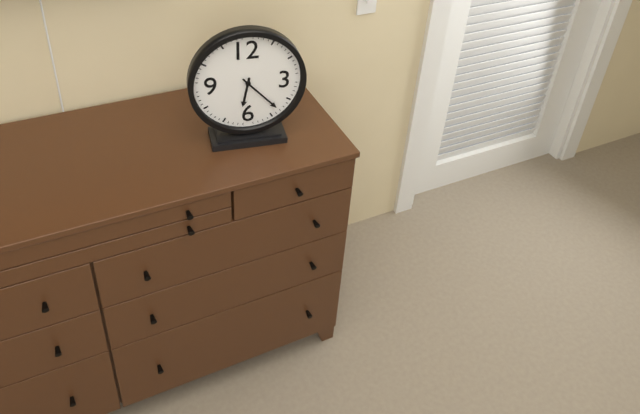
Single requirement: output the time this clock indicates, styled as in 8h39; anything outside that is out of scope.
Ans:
6h23
